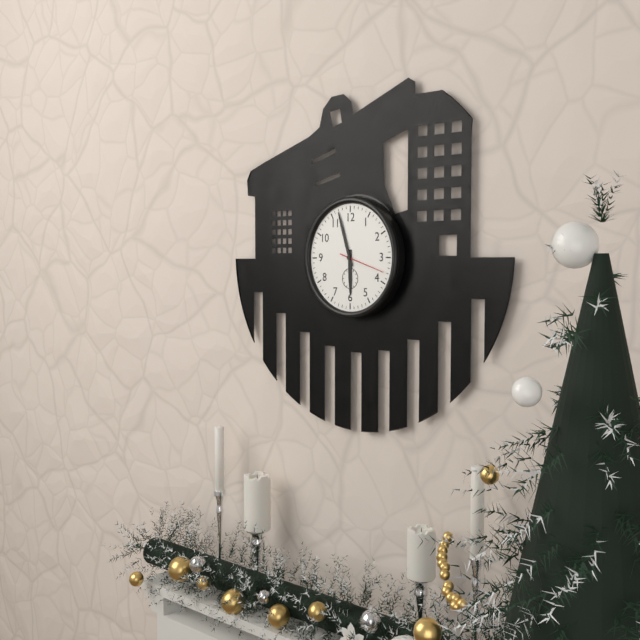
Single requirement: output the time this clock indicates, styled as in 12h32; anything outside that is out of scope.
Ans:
5h57
